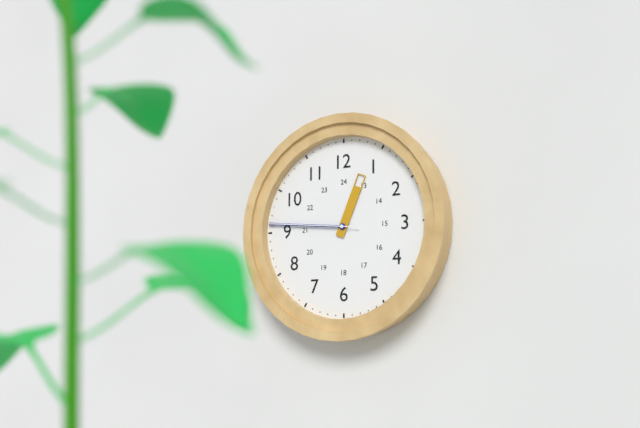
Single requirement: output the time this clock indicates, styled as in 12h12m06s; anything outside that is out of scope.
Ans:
12h46m46s
